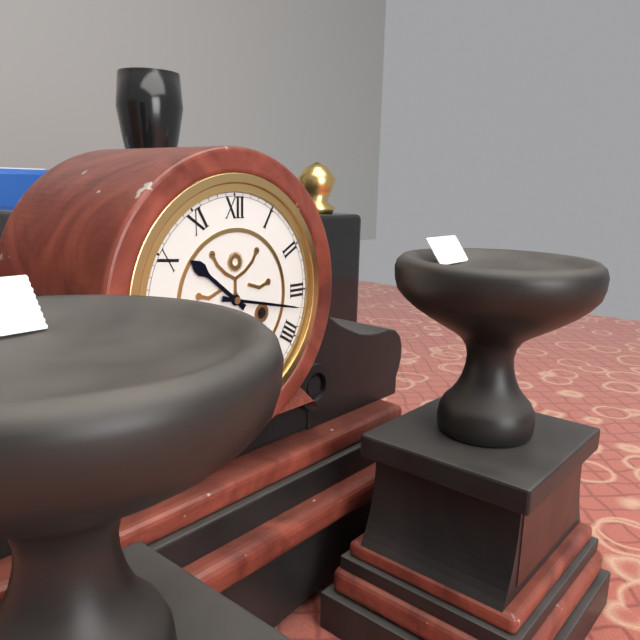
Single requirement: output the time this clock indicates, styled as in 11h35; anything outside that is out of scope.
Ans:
10h17
